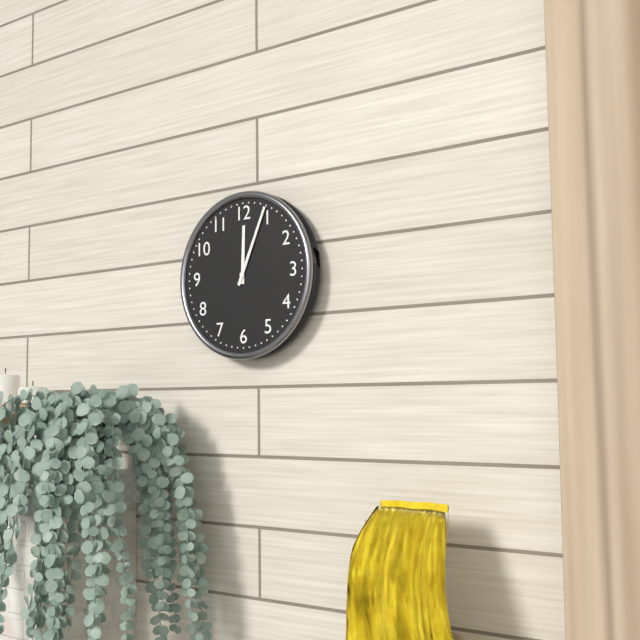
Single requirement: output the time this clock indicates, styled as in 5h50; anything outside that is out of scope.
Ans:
12h04
